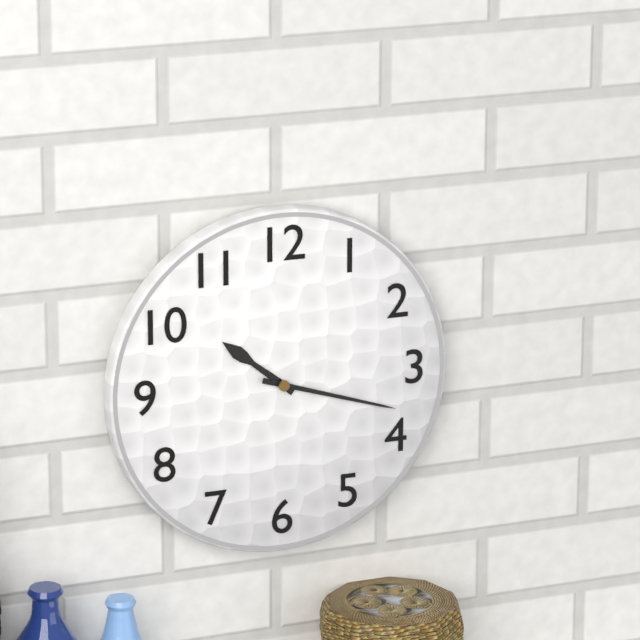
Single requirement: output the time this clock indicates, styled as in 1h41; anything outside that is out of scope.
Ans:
10h18
